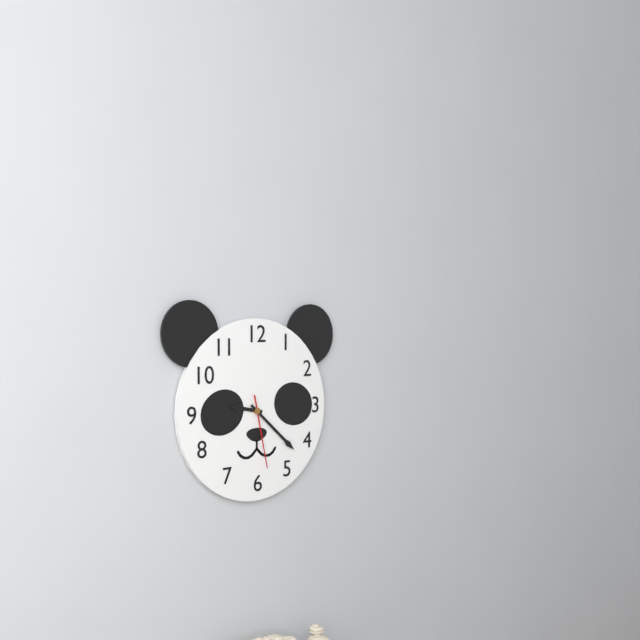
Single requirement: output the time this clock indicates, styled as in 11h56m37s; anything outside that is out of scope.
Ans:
9h22m28s
